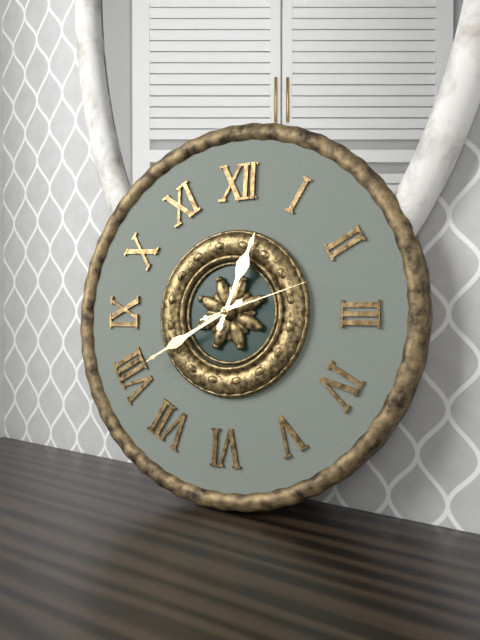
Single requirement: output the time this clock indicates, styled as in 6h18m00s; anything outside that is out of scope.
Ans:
12h40m12s
